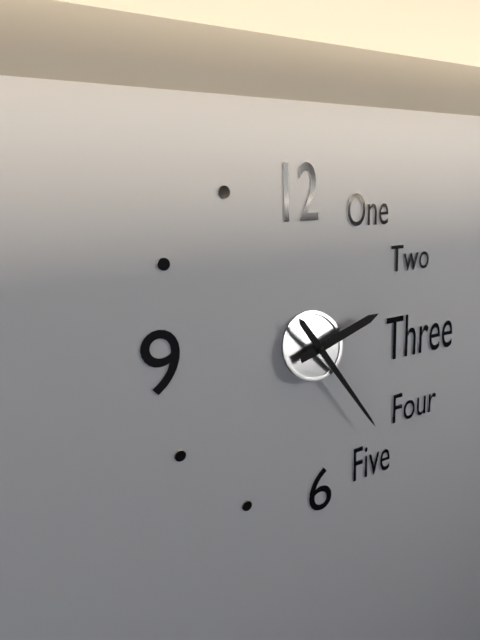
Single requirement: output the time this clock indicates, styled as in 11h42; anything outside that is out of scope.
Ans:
2h24
